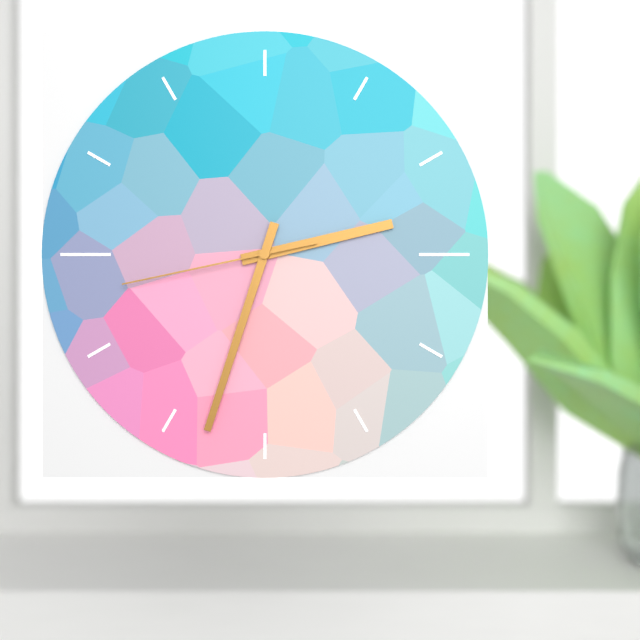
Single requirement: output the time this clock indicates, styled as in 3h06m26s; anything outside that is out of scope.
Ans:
2h33m43s
